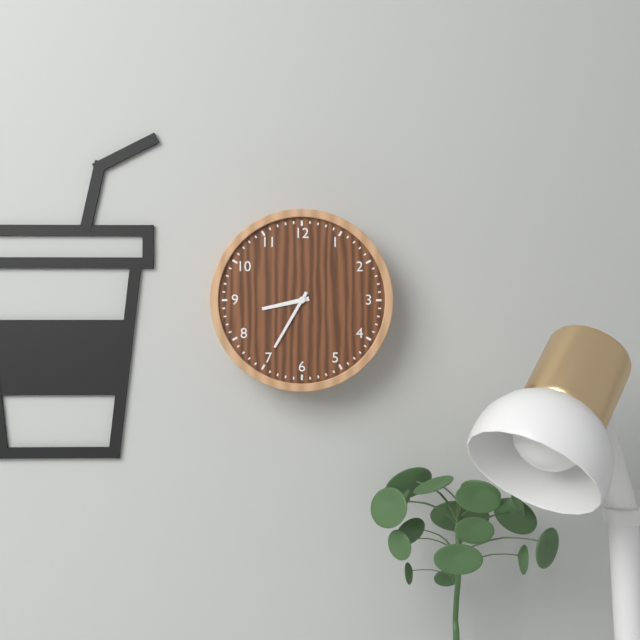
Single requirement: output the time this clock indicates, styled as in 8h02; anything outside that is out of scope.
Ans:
8h35
